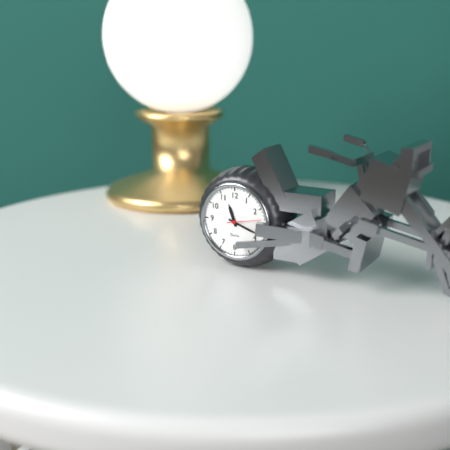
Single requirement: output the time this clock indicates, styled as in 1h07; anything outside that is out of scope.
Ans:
11h18
